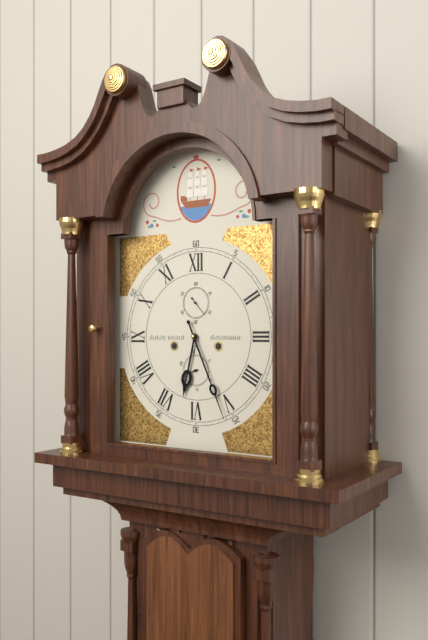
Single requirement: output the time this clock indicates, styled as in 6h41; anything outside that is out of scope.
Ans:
6h26
